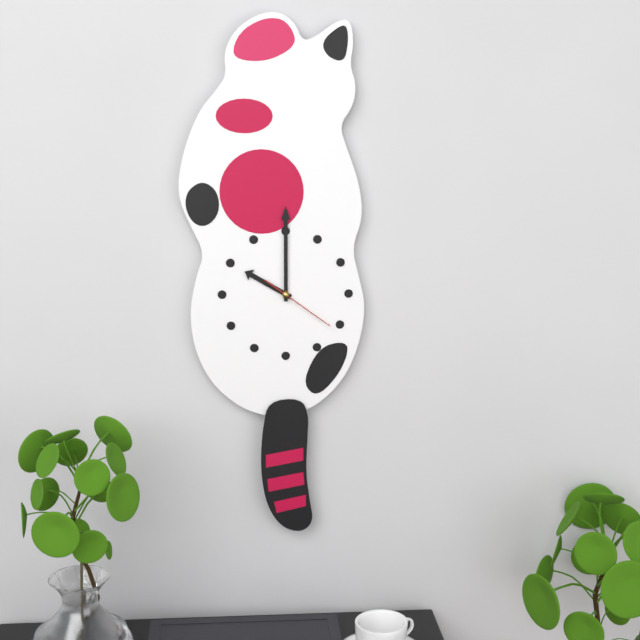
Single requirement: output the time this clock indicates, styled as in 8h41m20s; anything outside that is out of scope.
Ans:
10h00m21s
